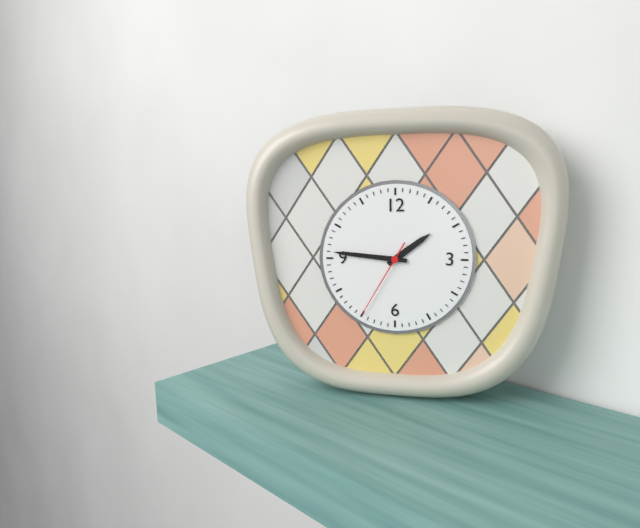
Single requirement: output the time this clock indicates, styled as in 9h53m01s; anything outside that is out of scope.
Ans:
1h46m35s
